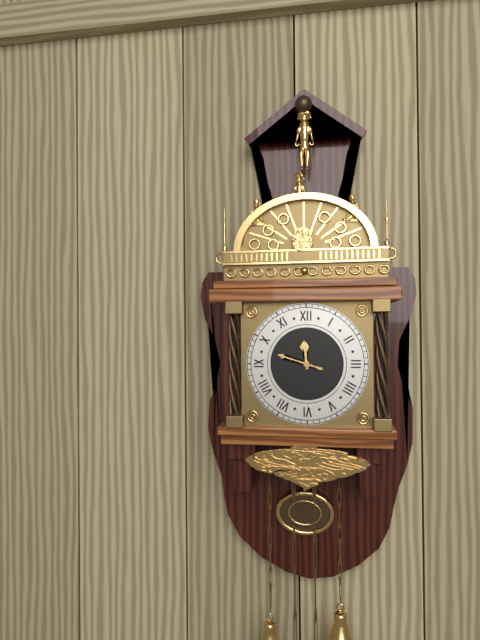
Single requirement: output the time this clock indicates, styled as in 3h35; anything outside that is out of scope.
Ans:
11h48
